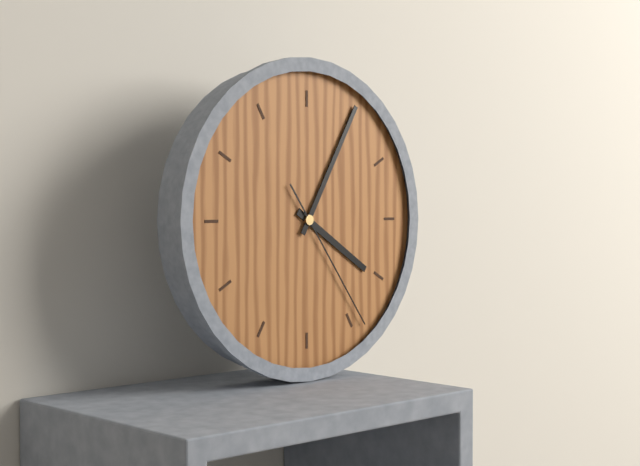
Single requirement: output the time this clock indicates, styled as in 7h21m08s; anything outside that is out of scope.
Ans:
4h05m24s
